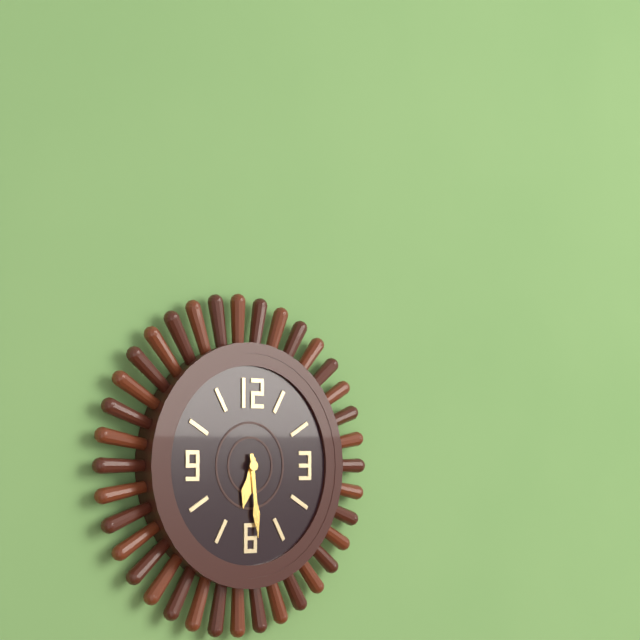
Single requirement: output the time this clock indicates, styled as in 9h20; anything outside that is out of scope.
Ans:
6h29
